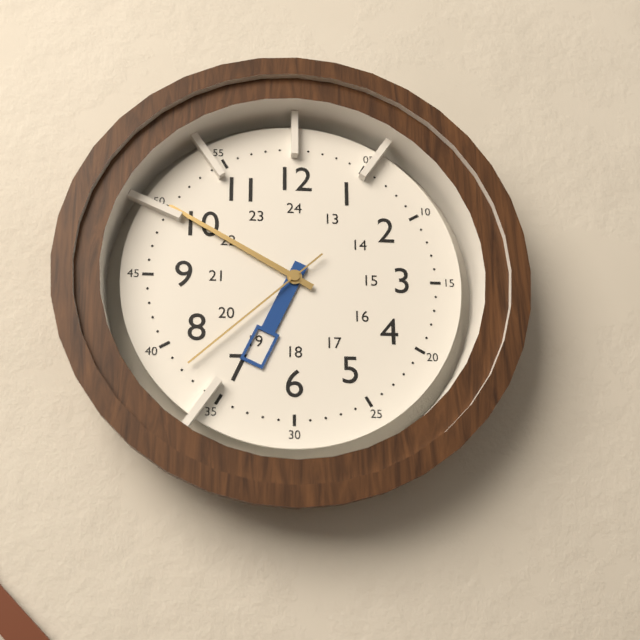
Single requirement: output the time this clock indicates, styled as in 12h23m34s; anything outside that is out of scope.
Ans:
6h50m38s
